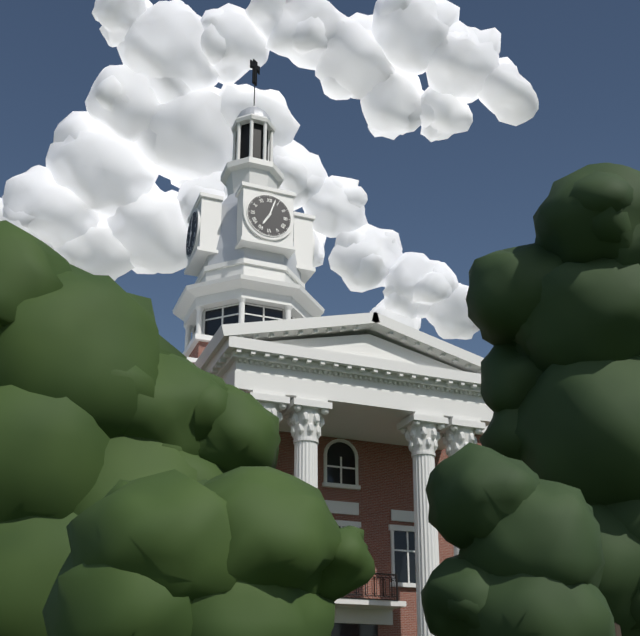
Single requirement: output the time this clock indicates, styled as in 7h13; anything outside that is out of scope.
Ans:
7h03
